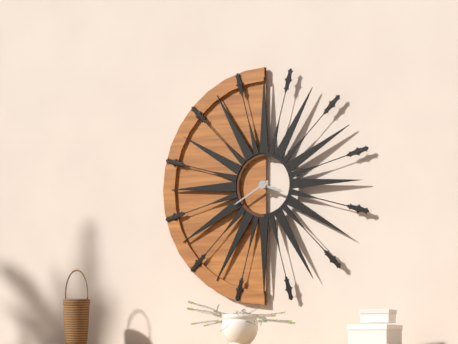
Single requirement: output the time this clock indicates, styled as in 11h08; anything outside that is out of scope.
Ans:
3h40
